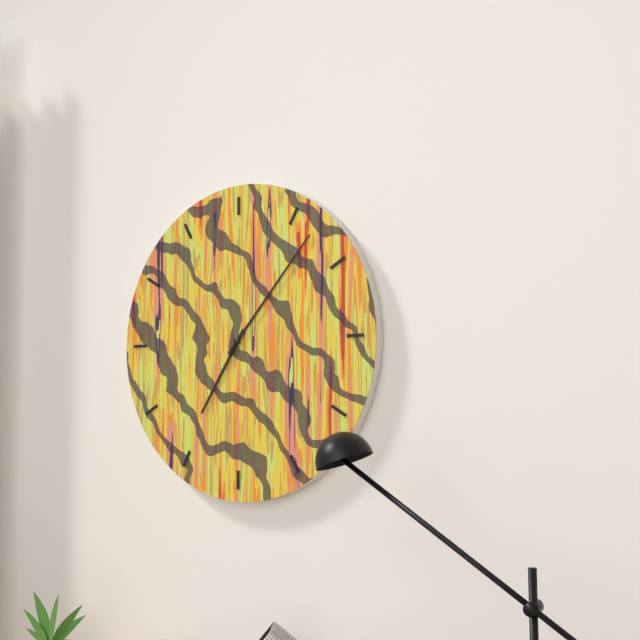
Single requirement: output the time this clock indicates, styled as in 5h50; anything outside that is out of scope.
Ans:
7h07
